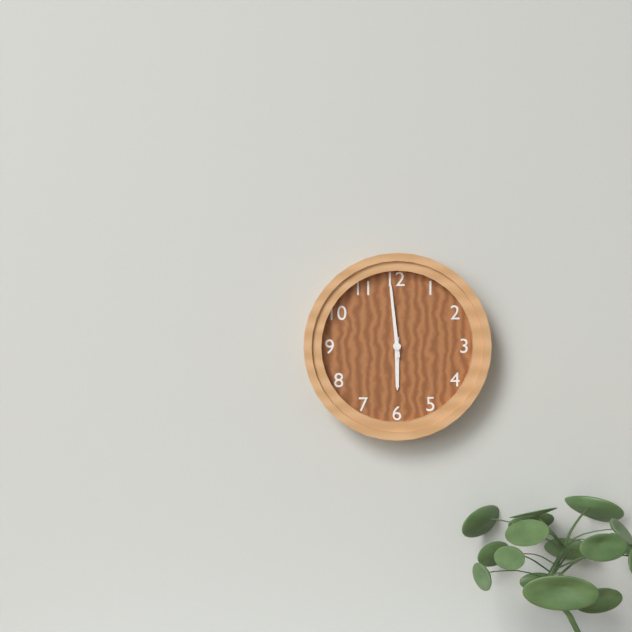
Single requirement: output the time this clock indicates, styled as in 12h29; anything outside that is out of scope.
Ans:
5h59
